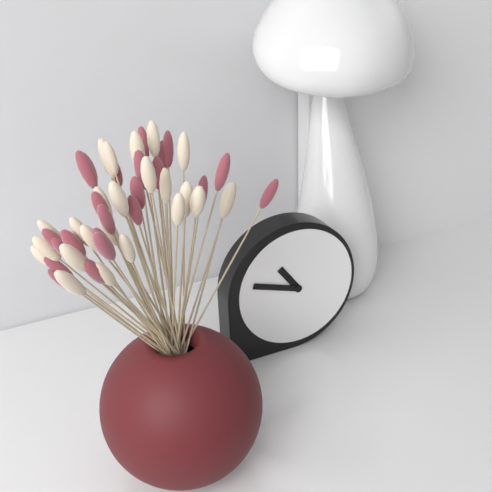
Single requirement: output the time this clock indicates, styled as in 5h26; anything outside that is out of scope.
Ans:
10h48
